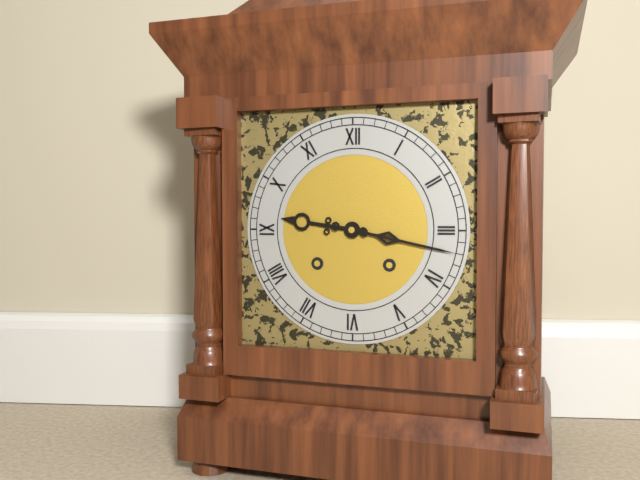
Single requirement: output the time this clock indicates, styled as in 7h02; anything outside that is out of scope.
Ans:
9h17
